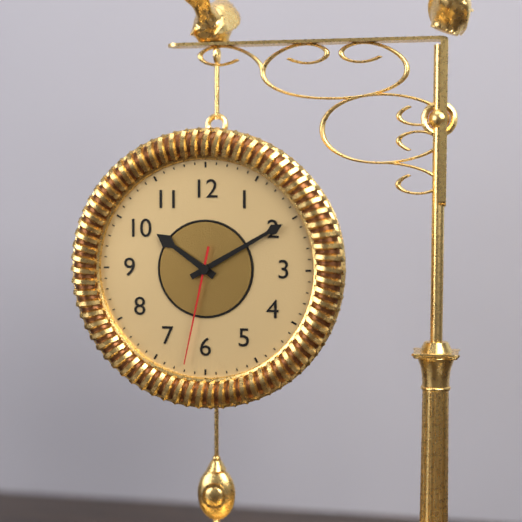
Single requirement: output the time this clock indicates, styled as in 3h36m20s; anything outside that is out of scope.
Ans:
10h10m32s
